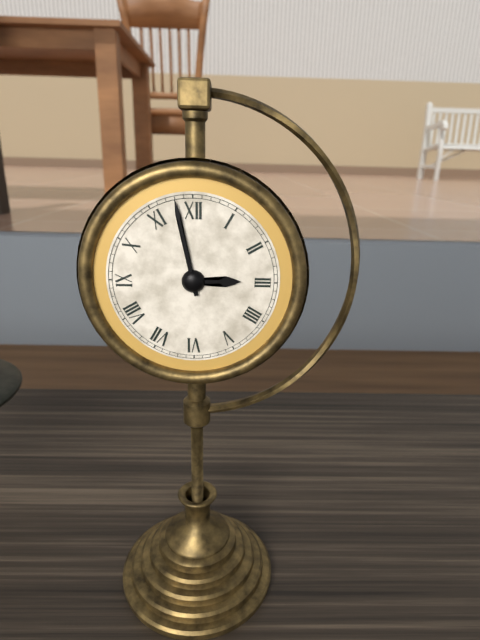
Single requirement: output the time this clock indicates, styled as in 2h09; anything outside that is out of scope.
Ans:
2h58
